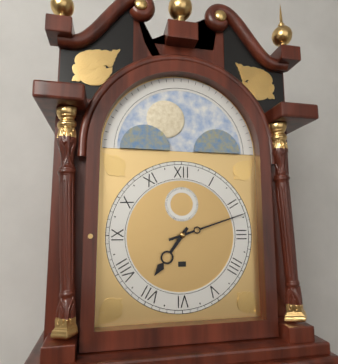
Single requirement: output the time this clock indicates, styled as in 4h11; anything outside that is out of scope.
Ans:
7h12
